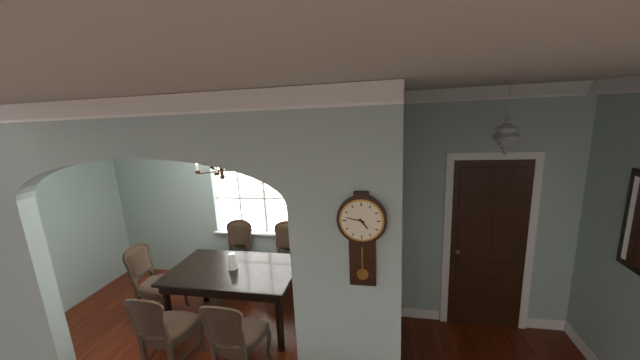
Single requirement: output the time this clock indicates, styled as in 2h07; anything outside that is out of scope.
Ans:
4h47
